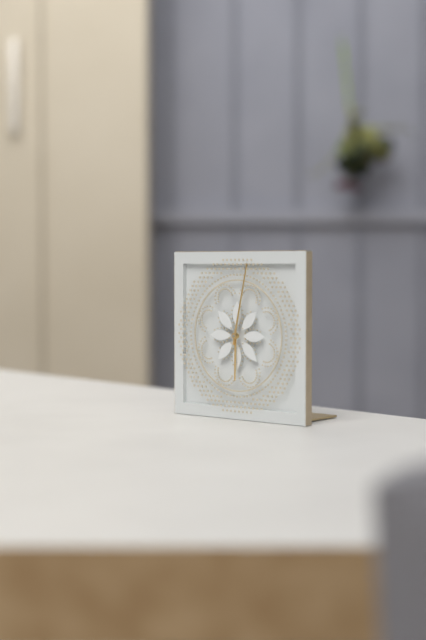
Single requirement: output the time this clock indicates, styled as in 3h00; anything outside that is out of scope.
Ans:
6h02
